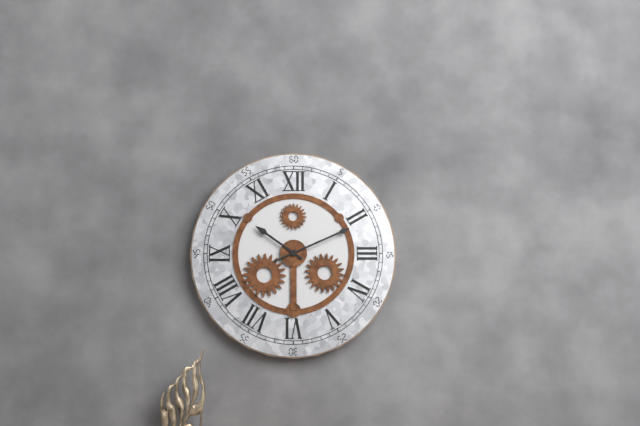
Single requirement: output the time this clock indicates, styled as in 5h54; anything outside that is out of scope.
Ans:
10h11
